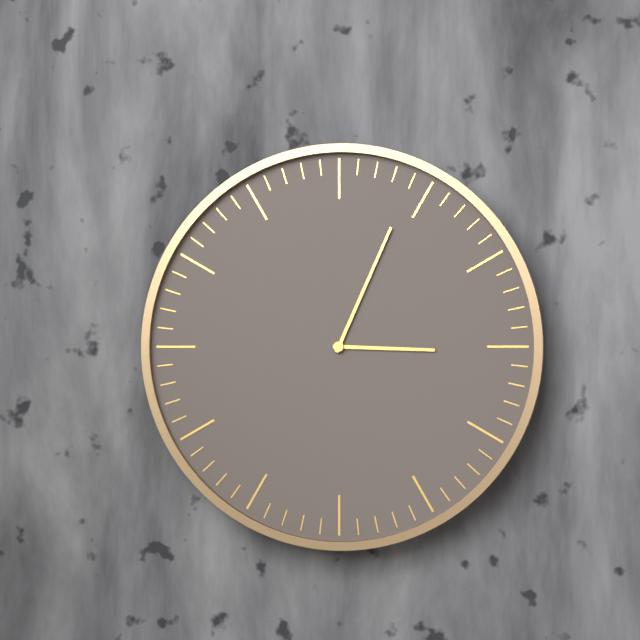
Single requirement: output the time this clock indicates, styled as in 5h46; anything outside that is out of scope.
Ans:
3h04
